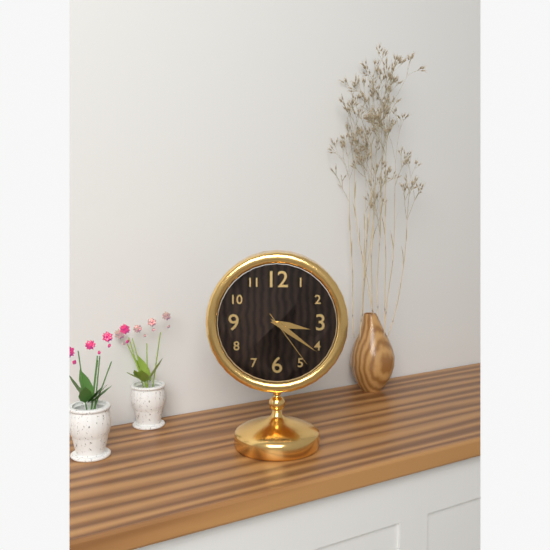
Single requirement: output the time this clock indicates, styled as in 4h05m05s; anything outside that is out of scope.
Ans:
3h21m24s
